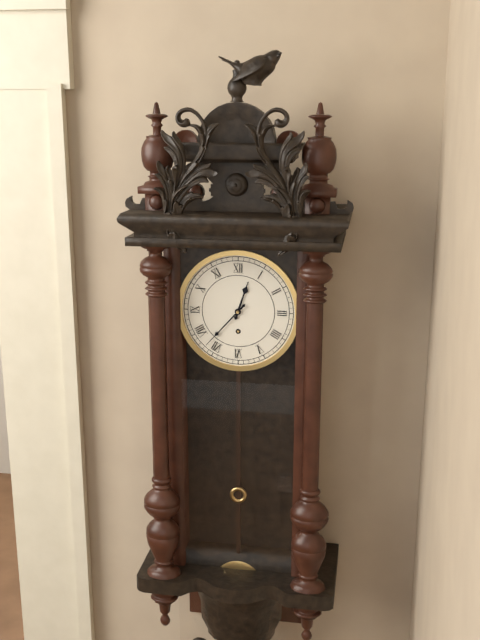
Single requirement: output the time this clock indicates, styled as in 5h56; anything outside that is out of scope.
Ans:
12h37
